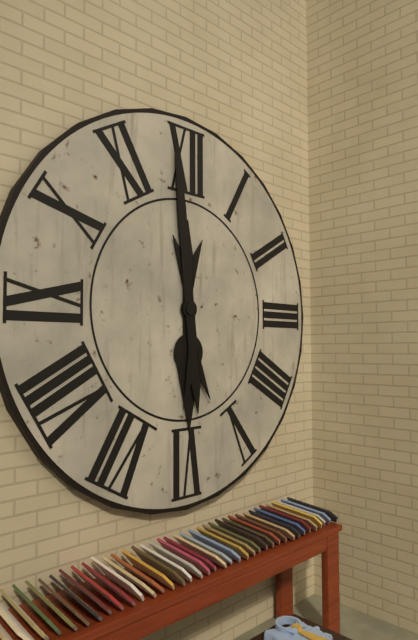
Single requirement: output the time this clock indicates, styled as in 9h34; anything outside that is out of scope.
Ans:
5h59
